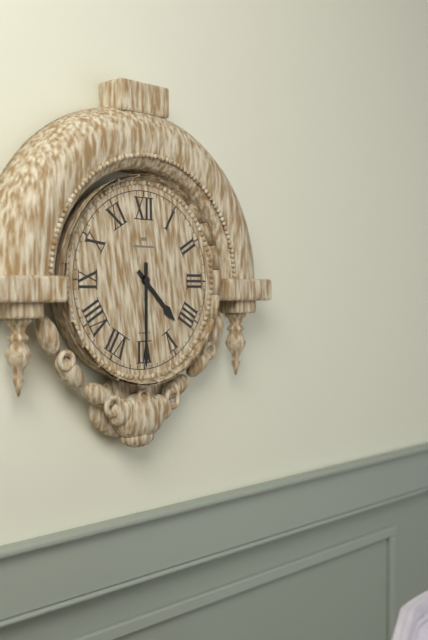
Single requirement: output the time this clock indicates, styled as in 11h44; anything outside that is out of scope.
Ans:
4h30
